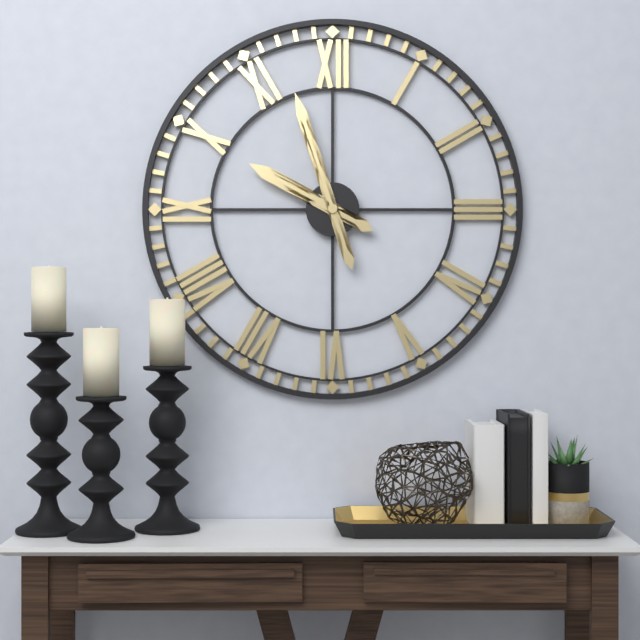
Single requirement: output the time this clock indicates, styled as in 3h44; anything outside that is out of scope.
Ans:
9h57
